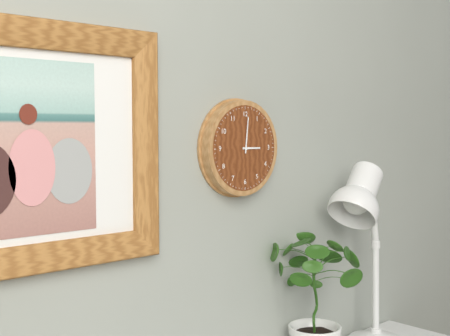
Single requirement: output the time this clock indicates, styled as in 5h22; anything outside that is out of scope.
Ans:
3h01
